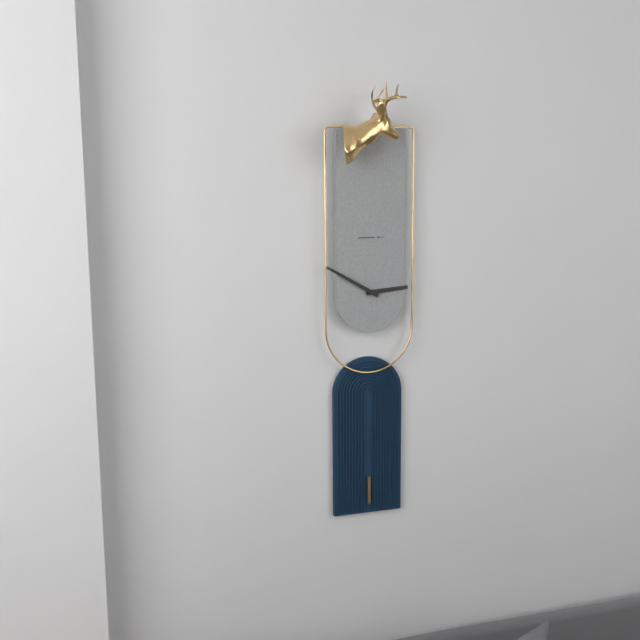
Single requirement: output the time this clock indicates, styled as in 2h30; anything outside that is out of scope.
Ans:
2h50
